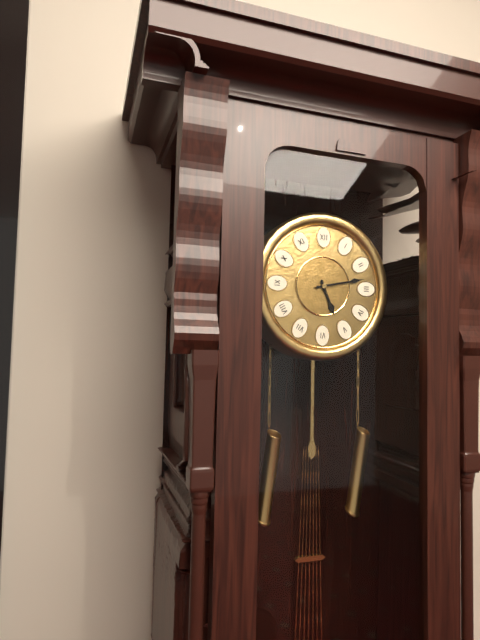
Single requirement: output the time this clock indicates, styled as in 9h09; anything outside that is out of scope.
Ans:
5h13
